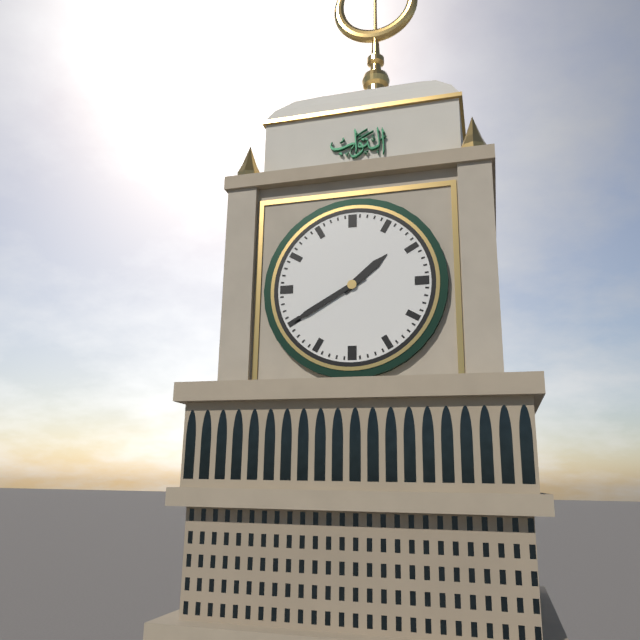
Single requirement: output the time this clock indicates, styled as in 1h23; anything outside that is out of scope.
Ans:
1h40
